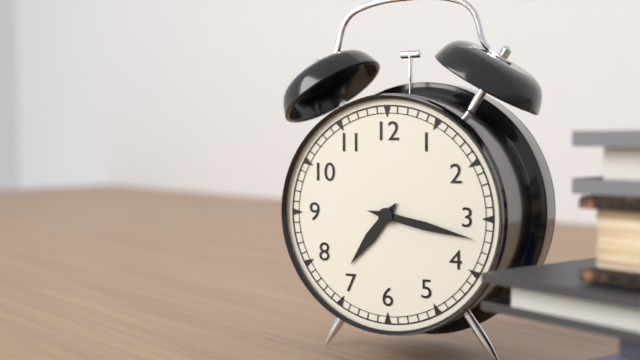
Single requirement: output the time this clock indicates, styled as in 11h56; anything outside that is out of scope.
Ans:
7h17
